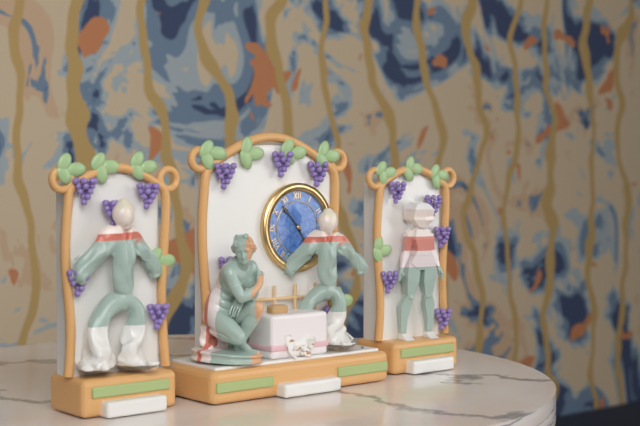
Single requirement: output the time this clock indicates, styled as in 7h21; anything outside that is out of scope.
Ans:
4h53
